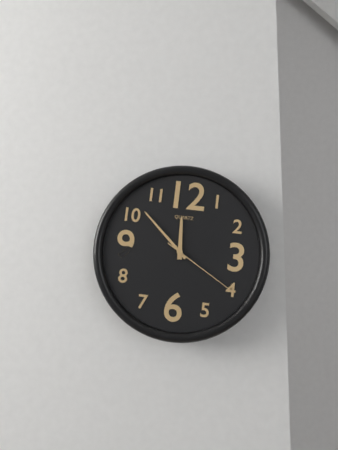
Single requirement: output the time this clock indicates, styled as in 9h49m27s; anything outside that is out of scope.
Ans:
11h52m20s
